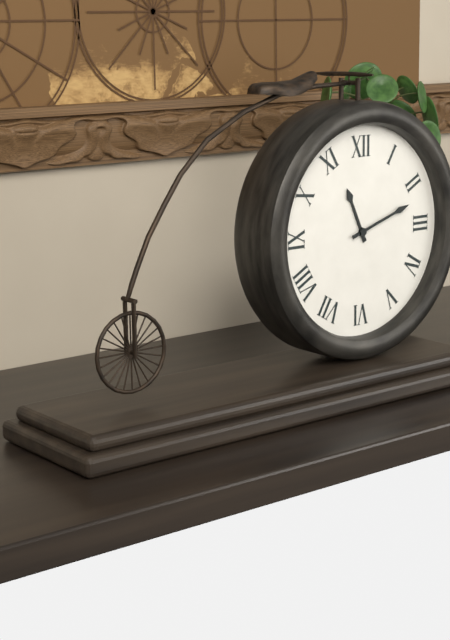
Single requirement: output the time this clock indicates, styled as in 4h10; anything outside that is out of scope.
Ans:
11h12
